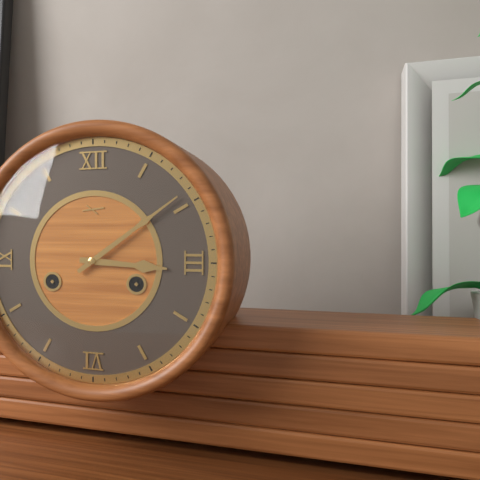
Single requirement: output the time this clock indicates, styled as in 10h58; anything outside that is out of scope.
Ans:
3h09
